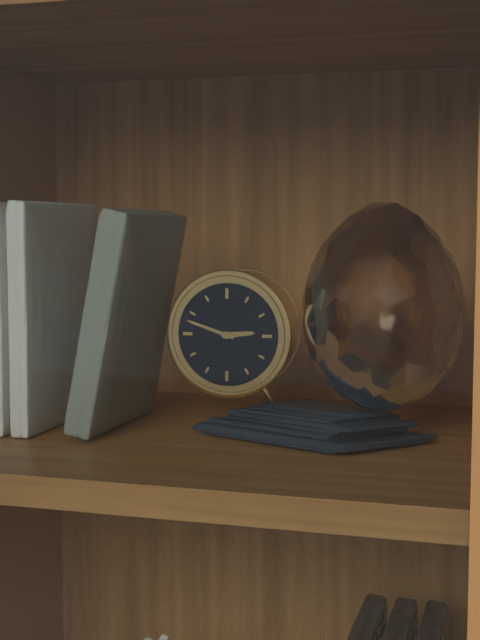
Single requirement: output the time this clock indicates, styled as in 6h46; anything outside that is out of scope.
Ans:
2h48
